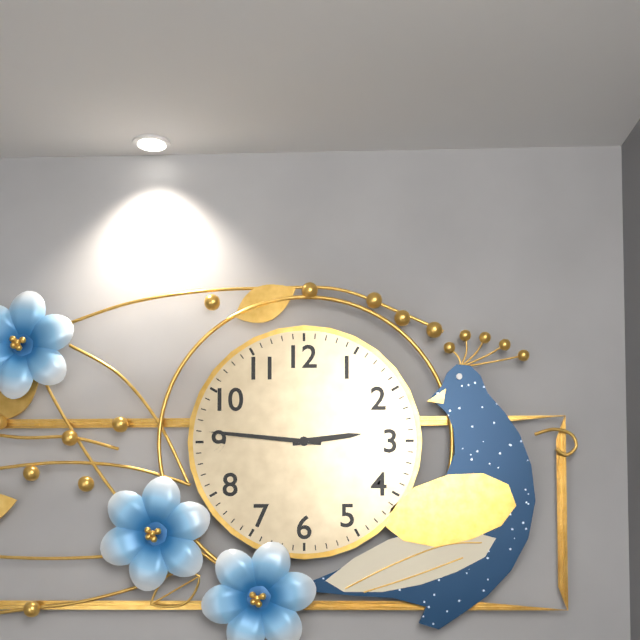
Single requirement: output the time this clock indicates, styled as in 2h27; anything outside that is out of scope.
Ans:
2h46
